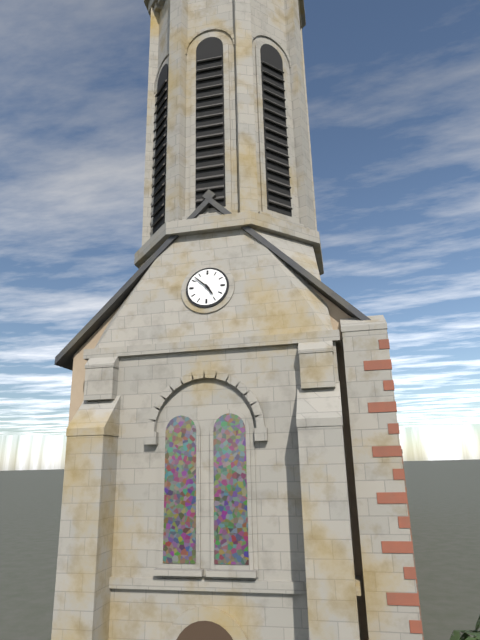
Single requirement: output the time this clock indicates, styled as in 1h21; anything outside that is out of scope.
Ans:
4h52
